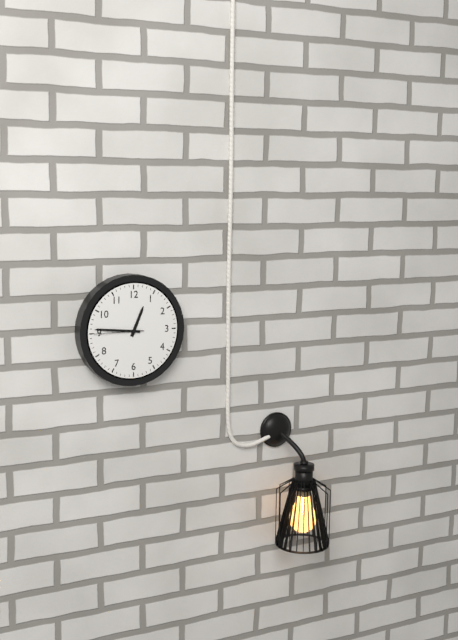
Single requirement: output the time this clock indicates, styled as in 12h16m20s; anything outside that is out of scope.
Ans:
12h46m45s
